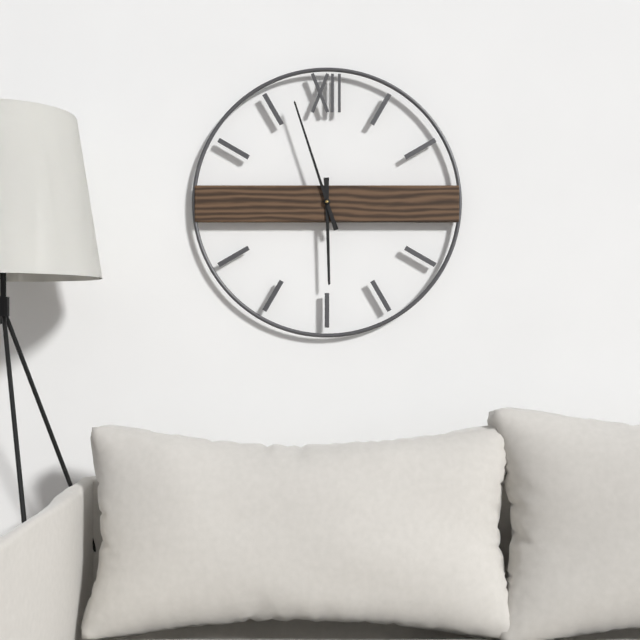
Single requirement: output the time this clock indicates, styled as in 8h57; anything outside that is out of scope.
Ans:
5h57
